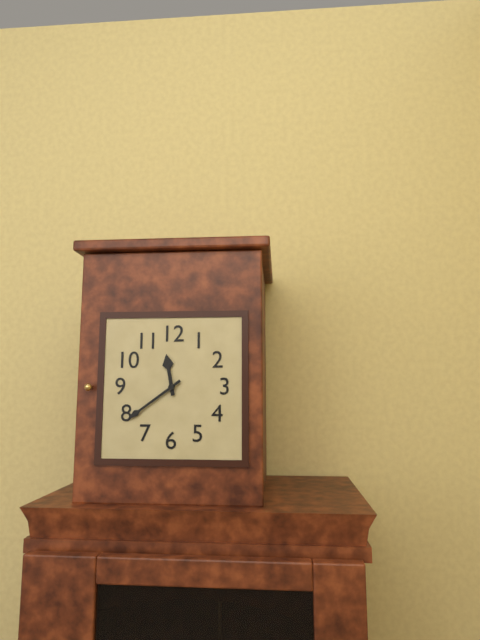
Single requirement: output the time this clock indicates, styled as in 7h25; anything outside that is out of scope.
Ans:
11h39
